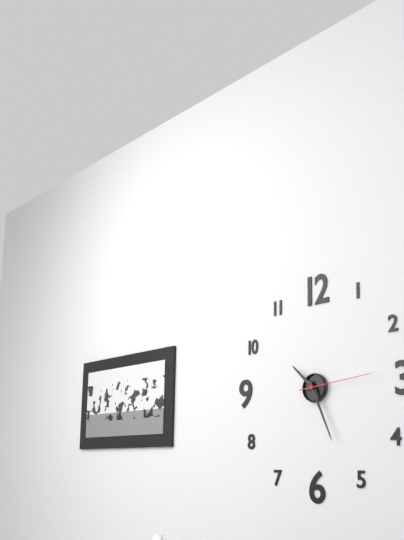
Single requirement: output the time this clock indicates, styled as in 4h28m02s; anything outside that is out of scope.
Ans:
10h26m14s
